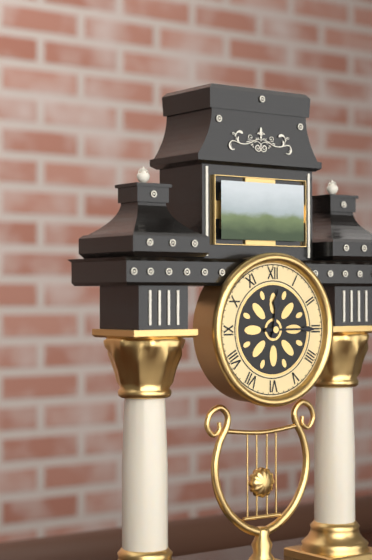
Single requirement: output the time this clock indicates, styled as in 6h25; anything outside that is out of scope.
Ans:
12h15
